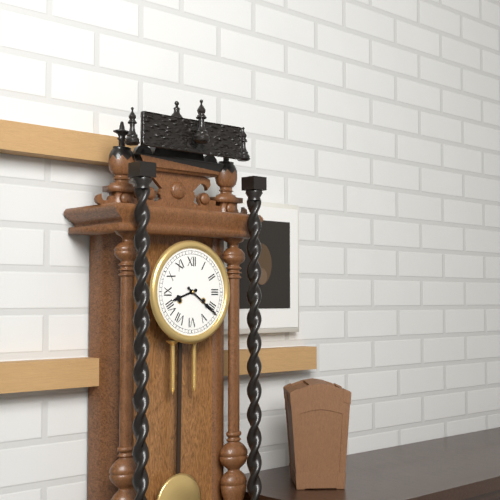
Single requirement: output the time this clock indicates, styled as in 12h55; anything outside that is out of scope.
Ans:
8h21
